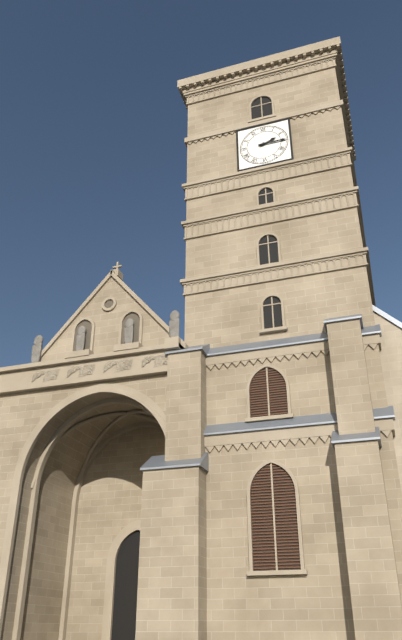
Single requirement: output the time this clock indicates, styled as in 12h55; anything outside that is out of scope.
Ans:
2h15
